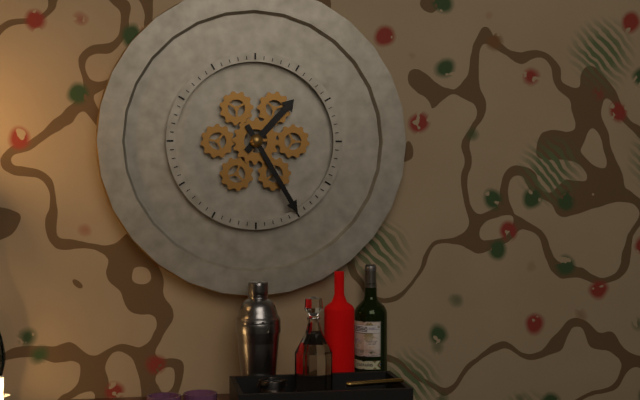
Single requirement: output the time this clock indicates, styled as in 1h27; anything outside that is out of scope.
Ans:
1h25
